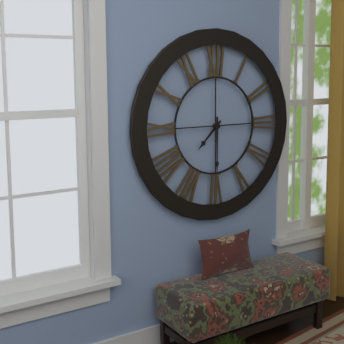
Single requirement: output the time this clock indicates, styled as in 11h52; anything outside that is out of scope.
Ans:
7h30
